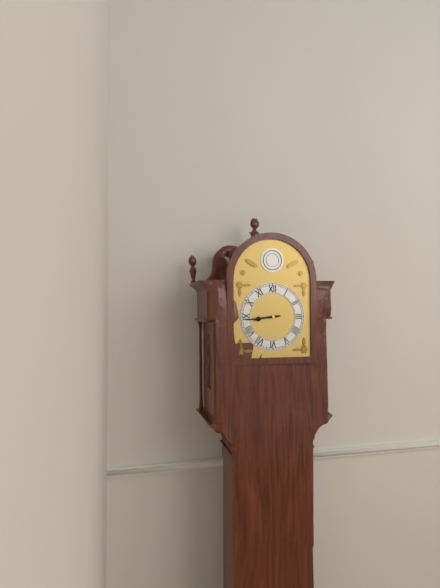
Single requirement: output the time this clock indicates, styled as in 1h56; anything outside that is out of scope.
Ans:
8h44
